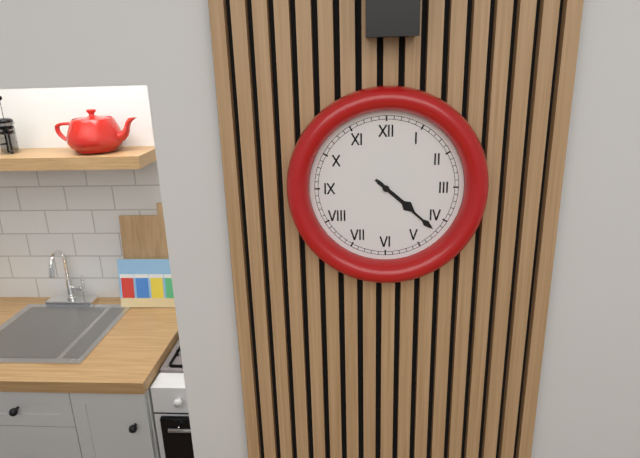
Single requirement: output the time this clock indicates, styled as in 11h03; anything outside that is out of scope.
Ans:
4h22
